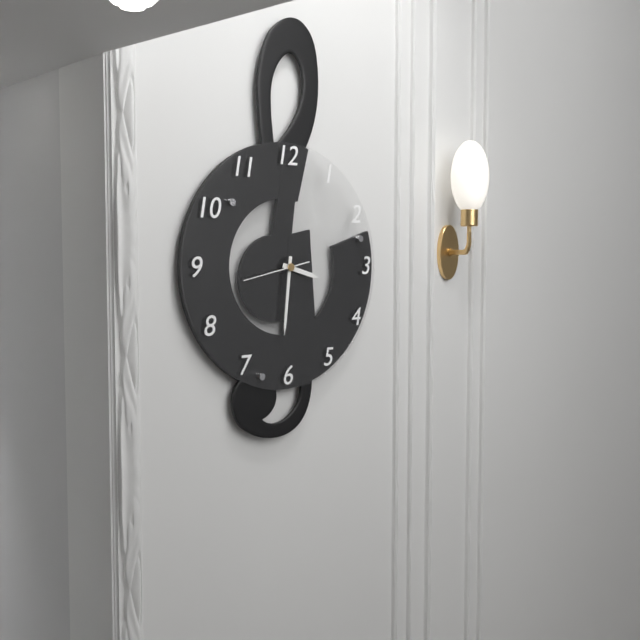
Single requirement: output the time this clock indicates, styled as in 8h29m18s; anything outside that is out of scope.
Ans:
3h31m43s
